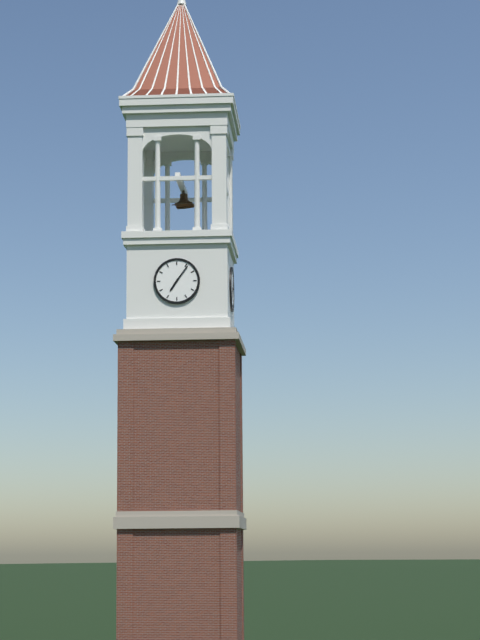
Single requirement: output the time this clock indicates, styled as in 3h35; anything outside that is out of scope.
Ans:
7h06
